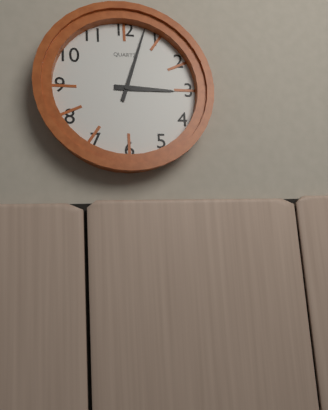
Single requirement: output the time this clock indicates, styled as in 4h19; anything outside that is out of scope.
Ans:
3h03
